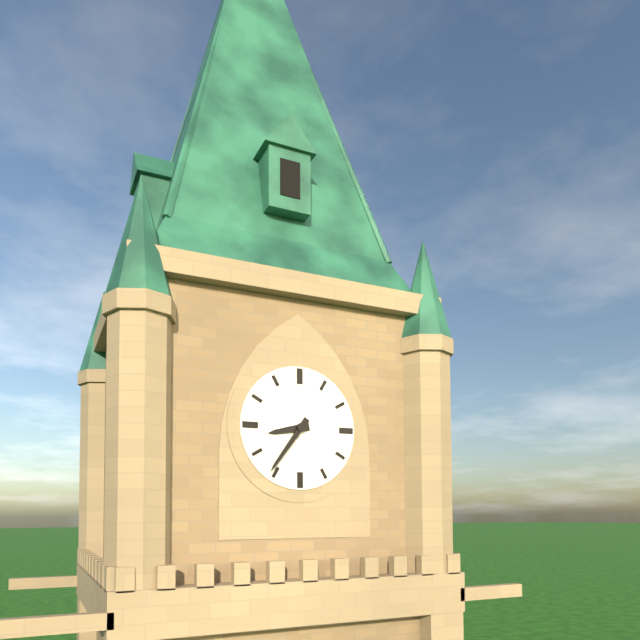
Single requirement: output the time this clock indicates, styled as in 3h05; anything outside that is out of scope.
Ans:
8h36
